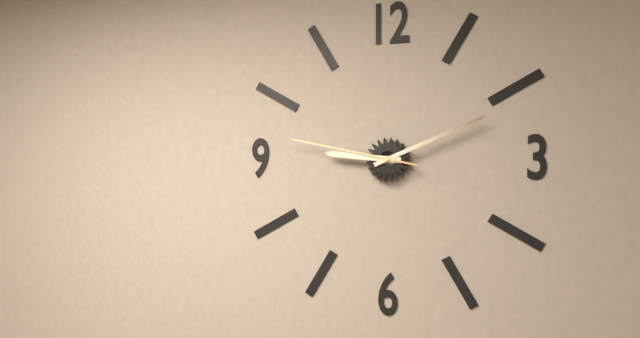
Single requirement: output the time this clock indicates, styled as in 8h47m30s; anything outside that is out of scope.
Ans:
9h11m47s
